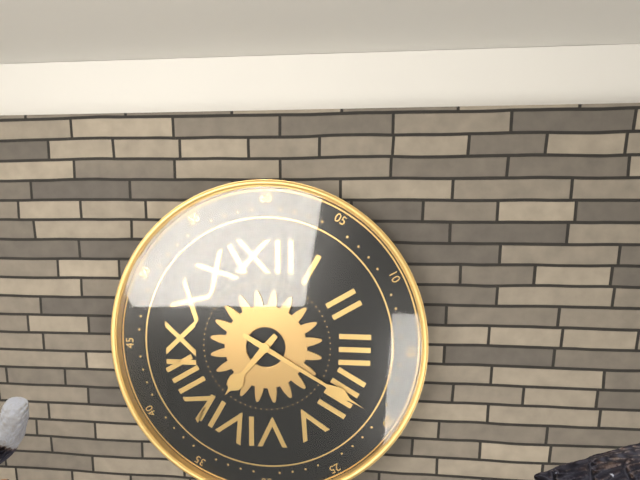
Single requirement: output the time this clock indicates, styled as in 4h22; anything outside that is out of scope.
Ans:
7h20
